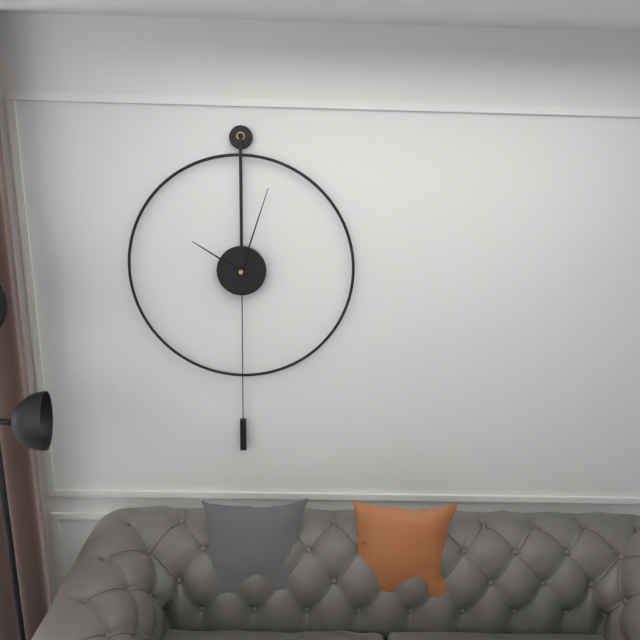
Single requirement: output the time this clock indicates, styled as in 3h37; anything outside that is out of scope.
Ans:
10h03
